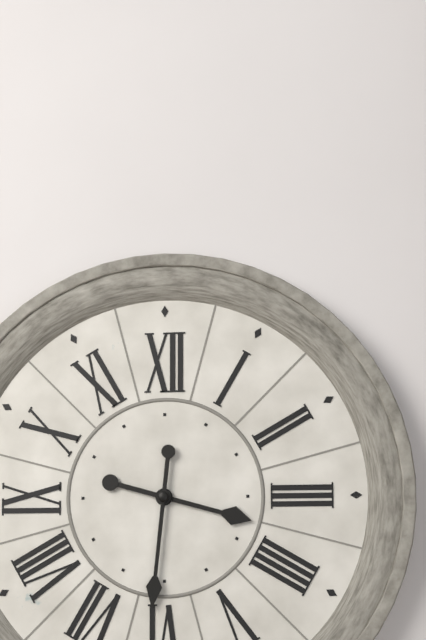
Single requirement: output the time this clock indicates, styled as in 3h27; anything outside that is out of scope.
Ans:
3h31
